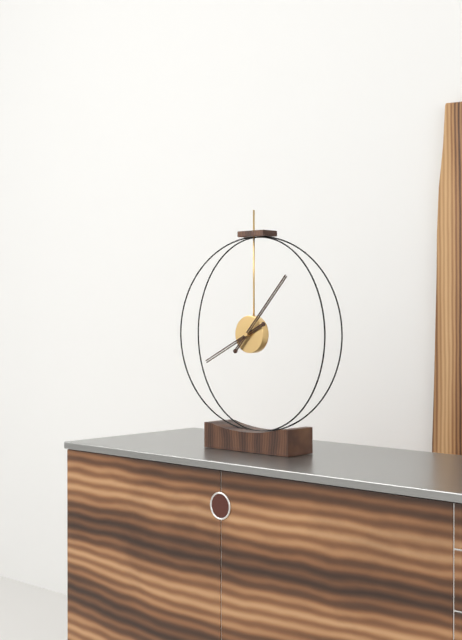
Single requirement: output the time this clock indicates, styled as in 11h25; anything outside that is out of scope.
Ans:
8h07
